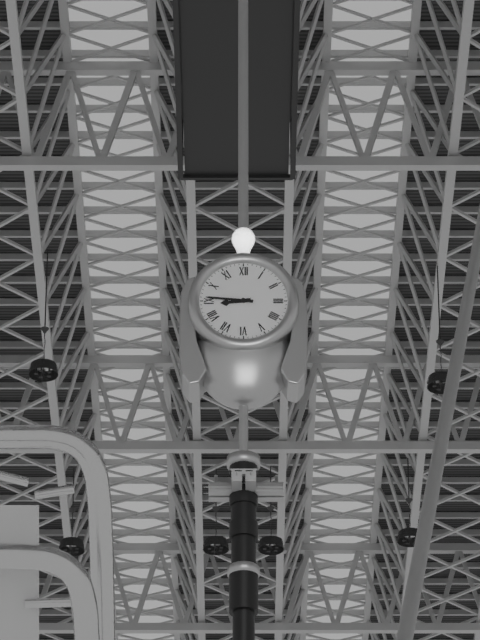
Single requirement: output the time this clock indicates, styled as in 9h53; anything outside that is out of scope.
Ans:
8h46
